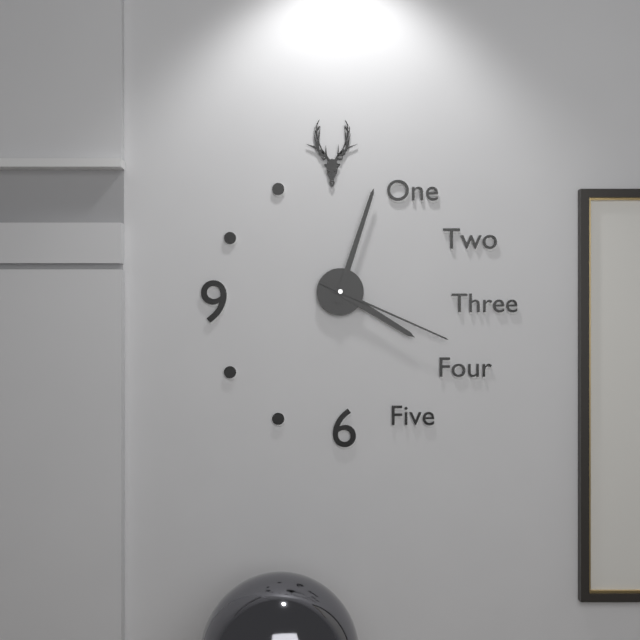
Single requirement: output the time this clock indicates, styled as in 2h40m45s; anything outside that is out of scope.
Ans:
4h03m19s
